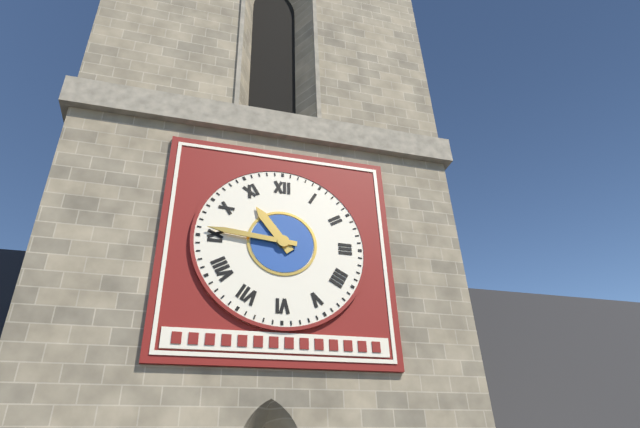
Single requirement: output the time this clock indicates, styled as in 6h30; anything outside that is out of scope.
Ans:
10h46
